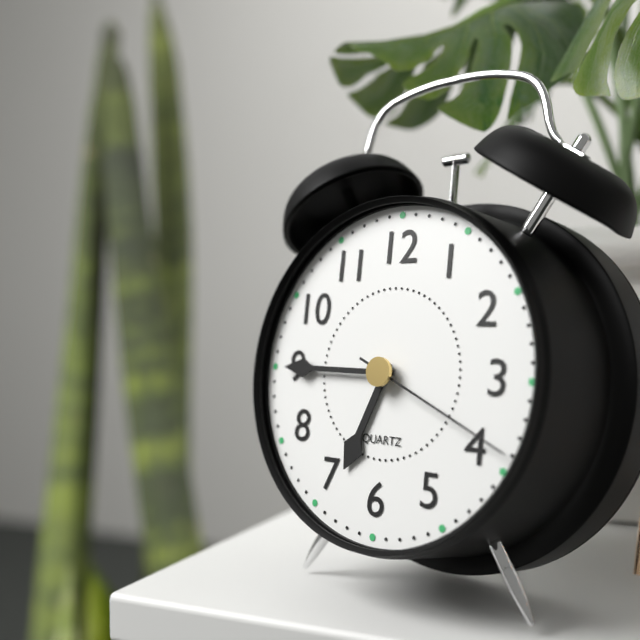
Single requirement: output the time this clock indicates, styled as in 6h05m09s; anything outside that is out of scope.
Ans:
6h45m19s
